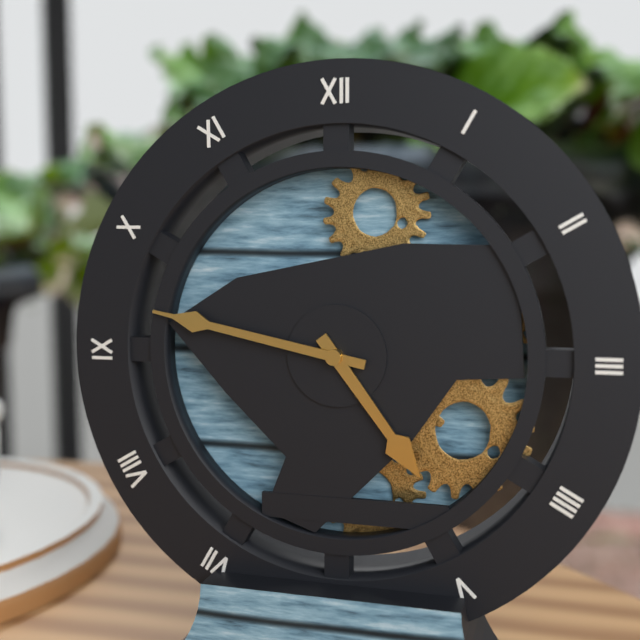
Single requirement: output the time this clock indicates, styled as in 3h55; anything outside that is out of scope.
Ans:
4h47
